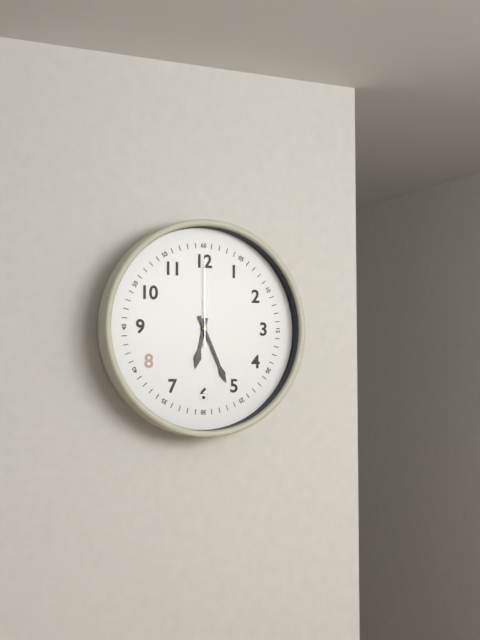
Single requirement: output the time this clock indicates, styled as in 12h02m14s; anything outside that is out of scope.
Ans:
6h26m00s
